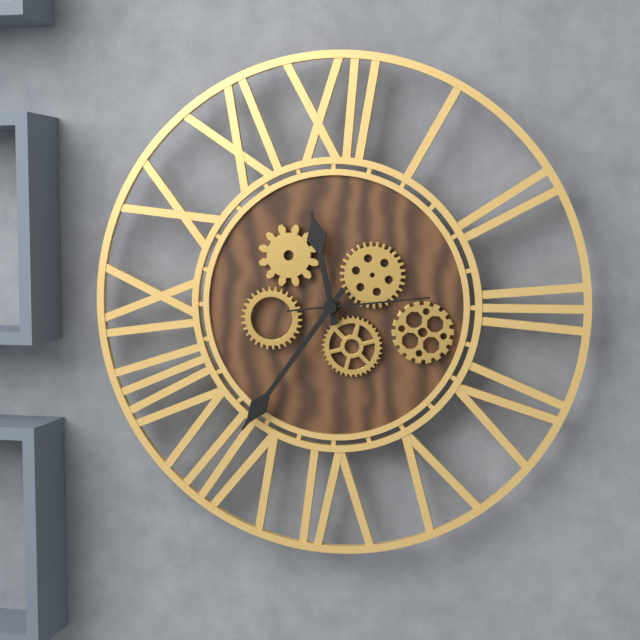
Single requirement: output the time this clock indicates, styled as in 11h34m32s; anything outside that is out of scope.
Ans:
11h36m14s
